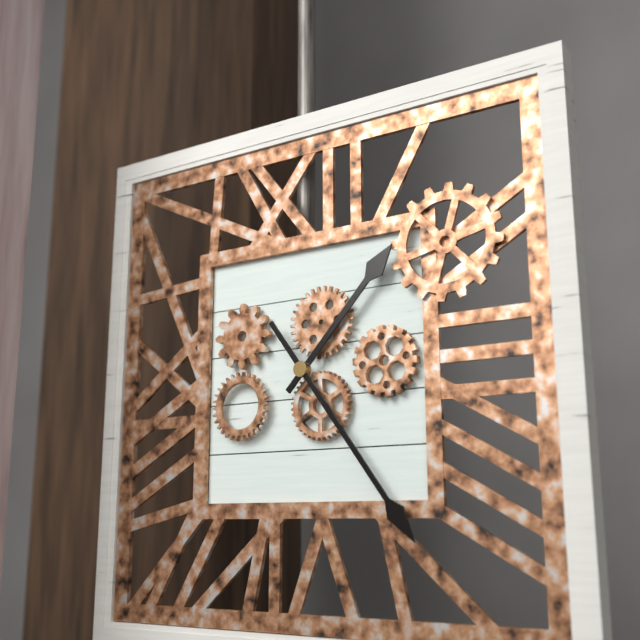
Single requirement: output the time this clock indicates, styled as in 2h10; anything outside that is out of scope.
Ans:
1h24
